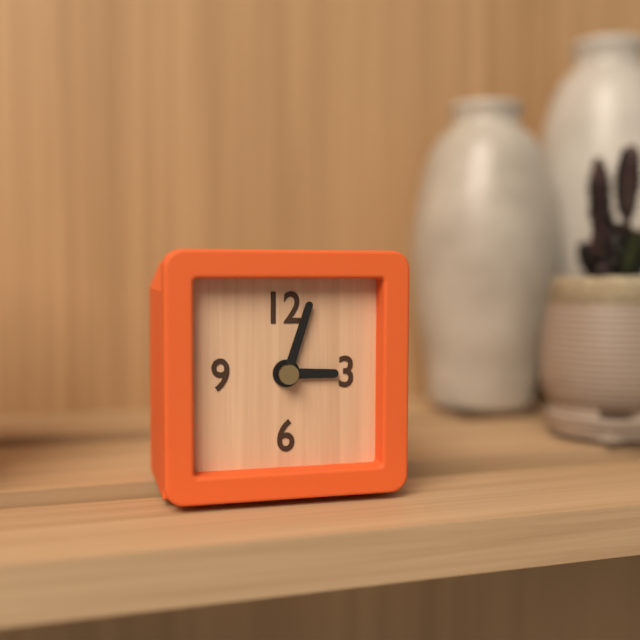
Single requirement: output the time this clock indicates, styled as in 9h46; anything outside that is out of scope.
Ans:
3h03
